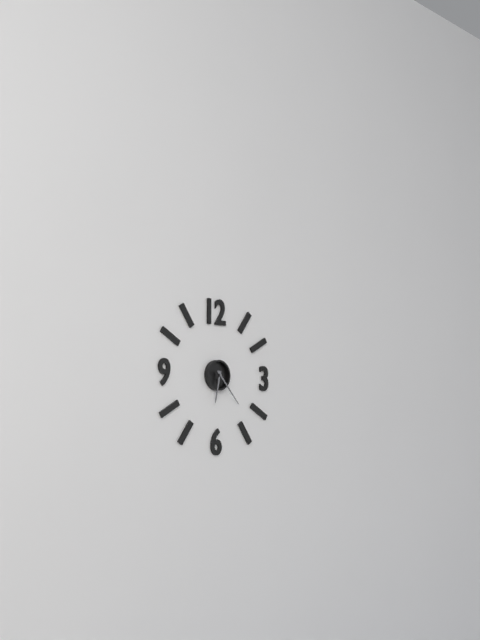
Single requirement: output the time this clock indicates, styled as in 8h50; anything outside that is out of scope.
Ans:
6h23
